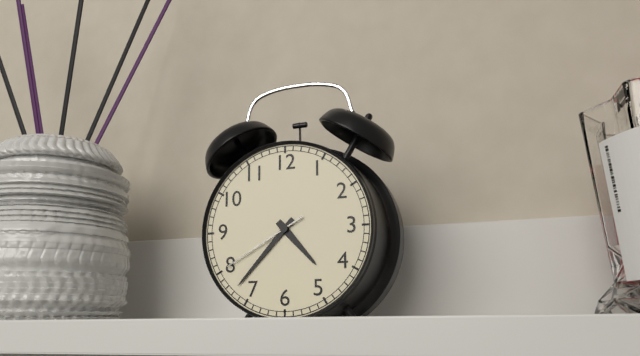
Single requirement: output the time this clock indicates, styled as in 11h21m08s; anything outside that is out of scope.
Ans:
4h37m40s
